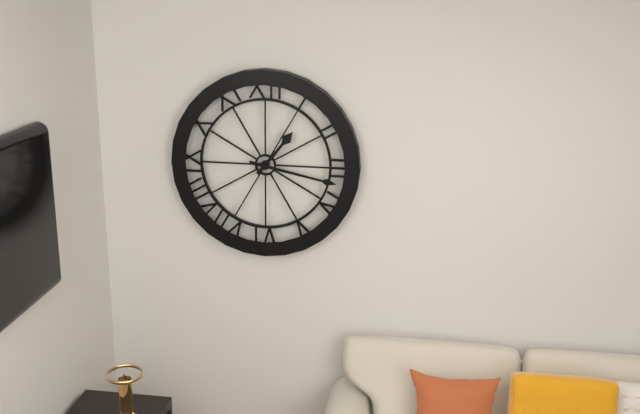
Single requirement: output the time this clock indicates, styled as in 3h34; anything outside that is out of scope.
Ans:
1h17
